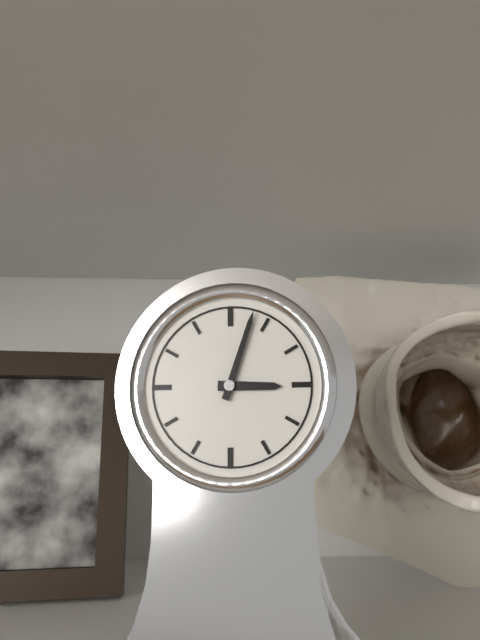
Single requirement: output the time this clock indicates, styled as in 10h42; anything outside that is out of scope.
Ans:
3h03
